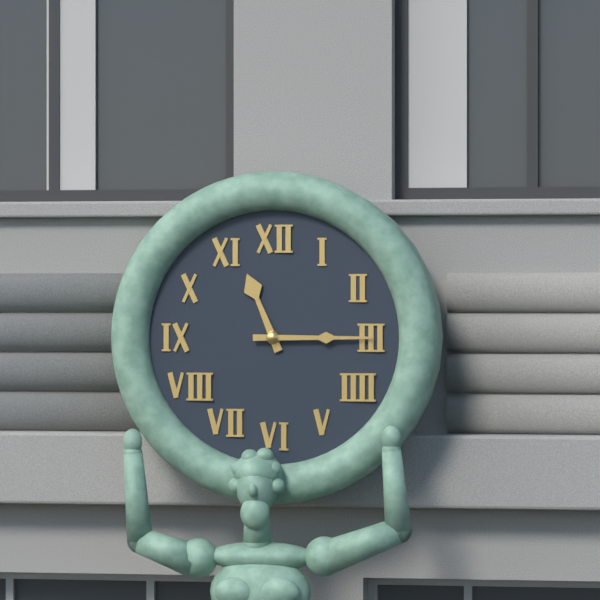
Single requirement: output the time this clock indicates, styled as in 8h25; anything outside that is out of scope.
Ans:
11h15
